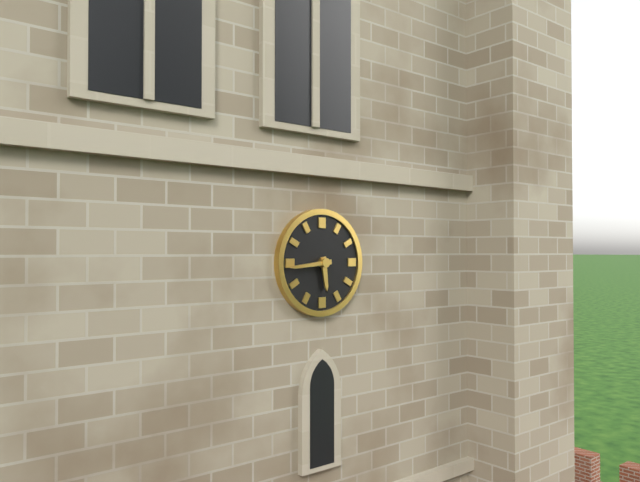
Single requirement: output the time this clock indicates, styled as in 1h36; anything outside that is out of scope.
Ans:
5h44
